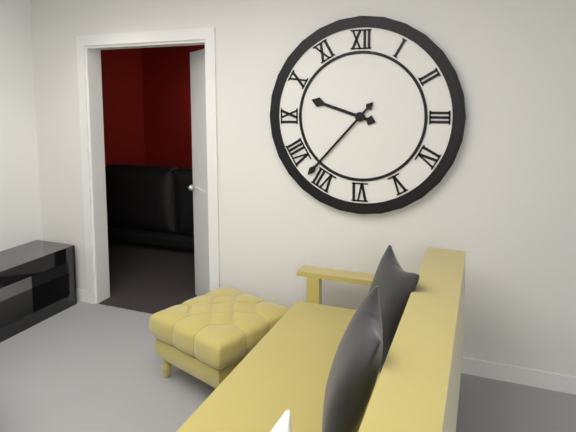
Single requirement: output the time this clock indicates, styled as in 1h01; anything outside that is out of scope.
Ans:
9h37
